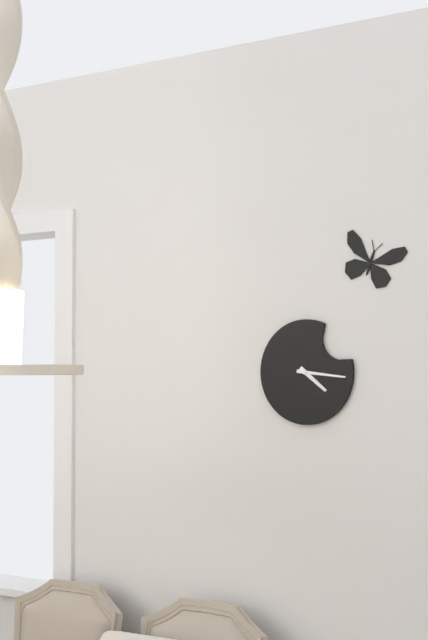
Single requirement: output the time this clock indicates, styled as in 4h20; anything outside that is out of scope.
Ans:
4h16
